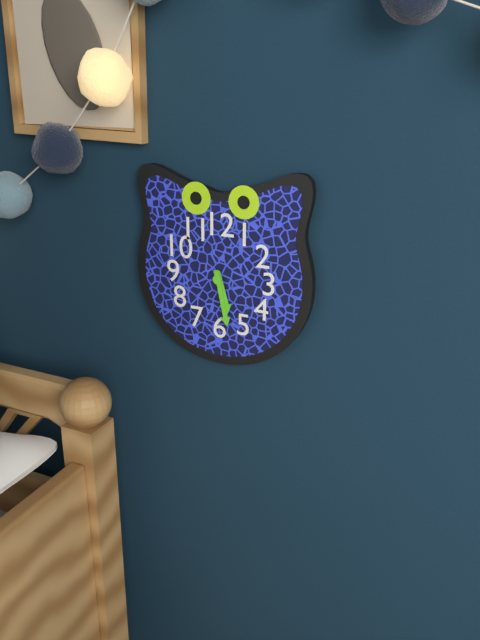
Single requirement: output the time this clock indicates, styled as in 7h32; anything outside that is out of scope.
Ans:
5h28
